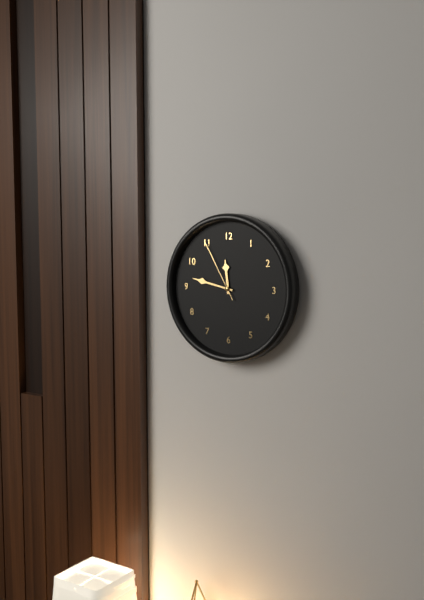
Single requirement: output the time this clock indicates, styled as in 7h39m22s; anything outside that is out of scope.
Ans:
11h47m55s
